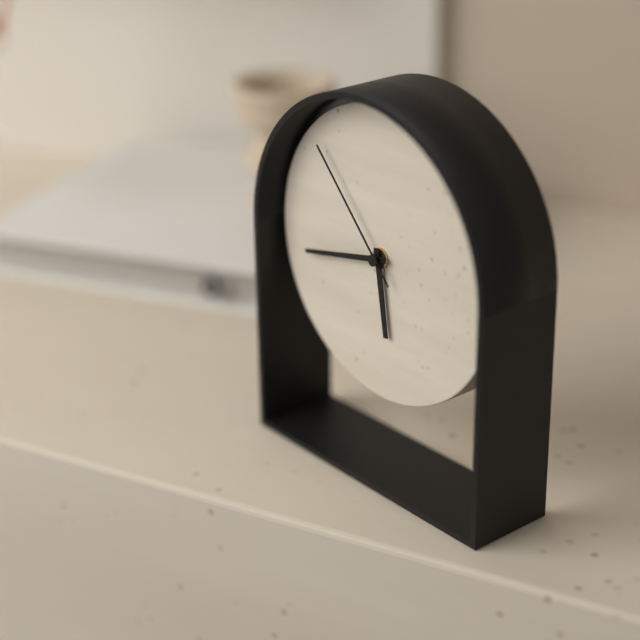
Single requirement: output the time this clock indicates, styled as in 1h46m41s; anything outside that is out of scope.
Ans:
5h43m53s
